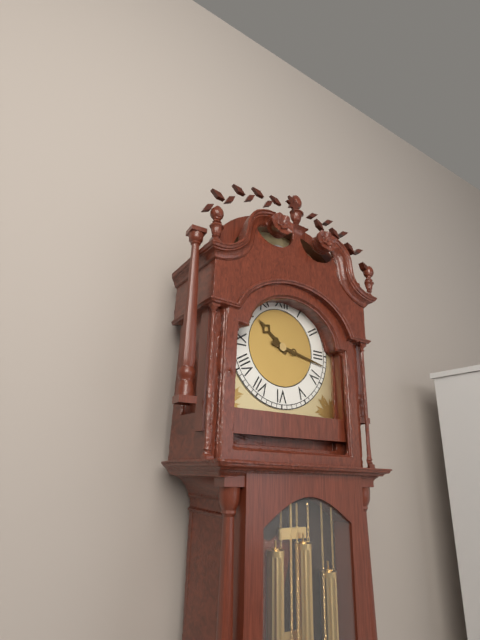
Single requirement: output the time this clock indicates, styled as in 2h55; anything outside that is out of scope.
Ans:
10h17
